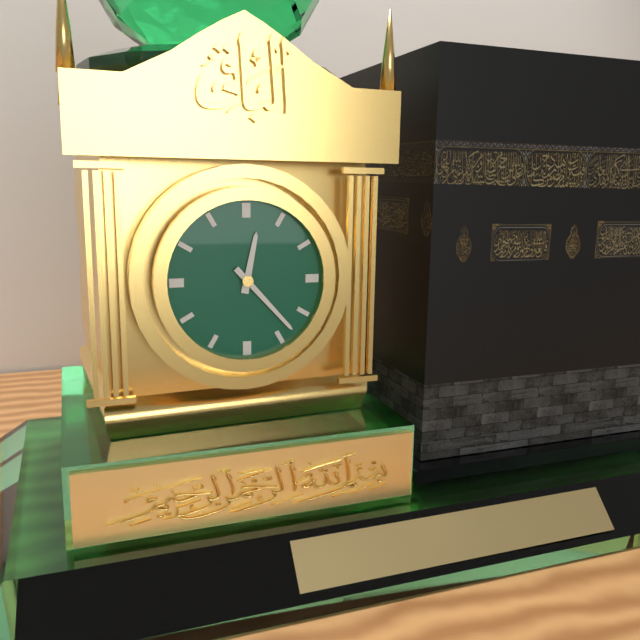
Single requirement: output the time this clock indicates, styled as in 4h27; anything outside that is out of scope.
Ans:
12h23
